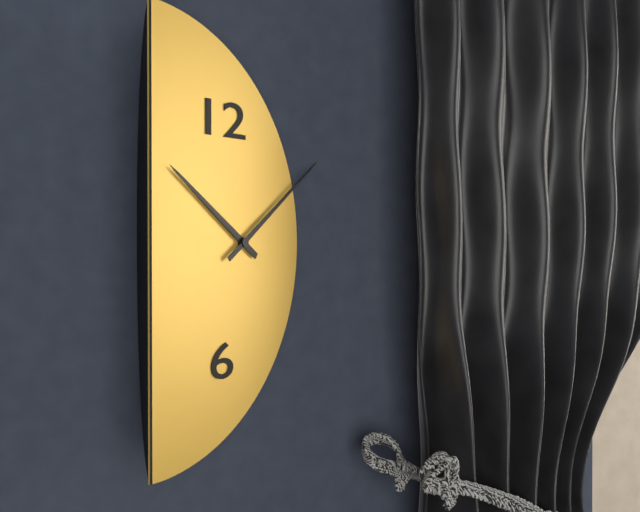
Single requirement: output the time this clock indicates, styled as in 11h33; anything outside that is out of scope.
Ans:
10h09
